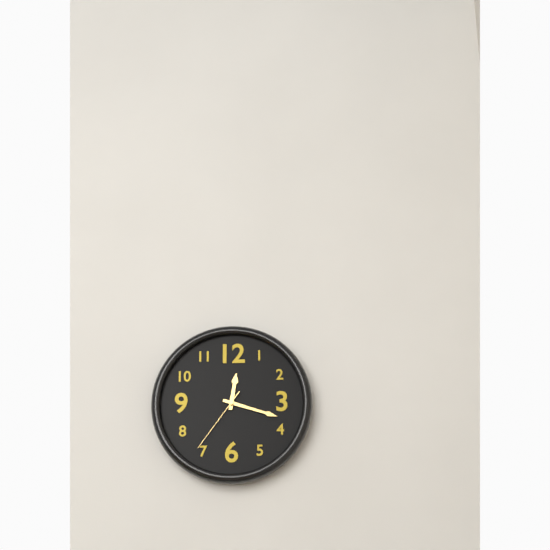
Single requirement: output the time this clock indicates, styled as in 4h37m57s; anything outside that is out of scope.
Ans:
12h18m36s
